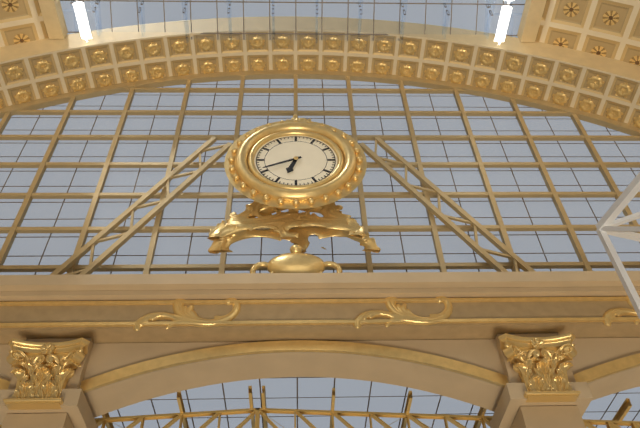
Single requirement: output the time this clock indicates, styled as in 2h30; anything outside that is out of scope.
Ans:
6h41
